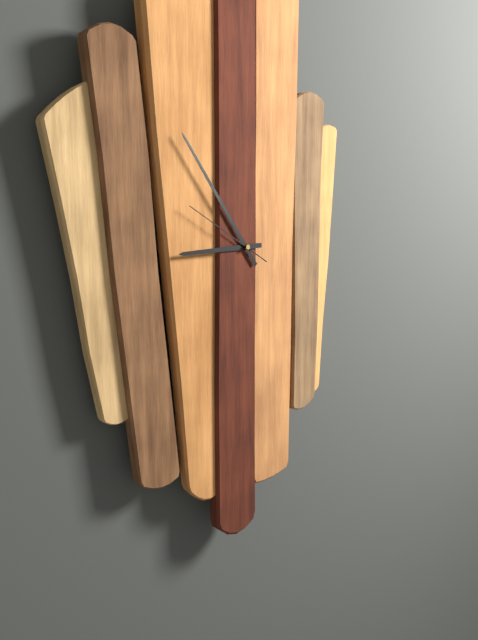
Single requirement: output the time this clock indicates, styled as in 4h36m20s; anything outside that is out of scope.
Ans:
8h54m50s
